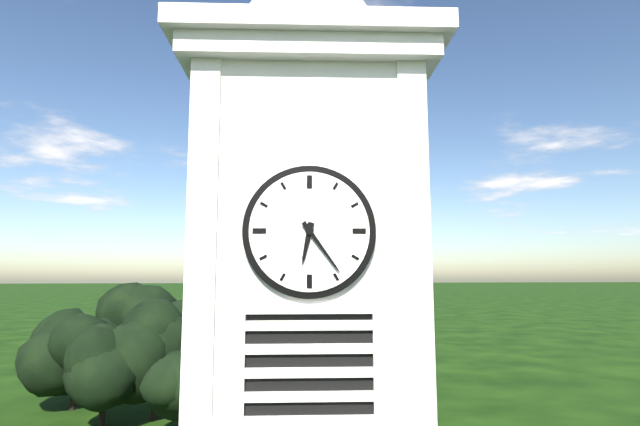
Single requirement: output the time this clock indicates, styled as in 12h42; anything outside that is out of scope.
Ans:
6h24
